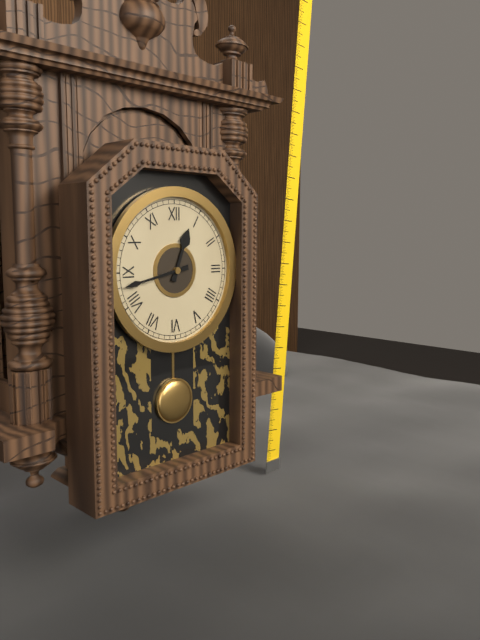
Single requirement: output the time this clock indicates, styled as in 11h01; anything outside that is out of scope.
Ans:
12h43
